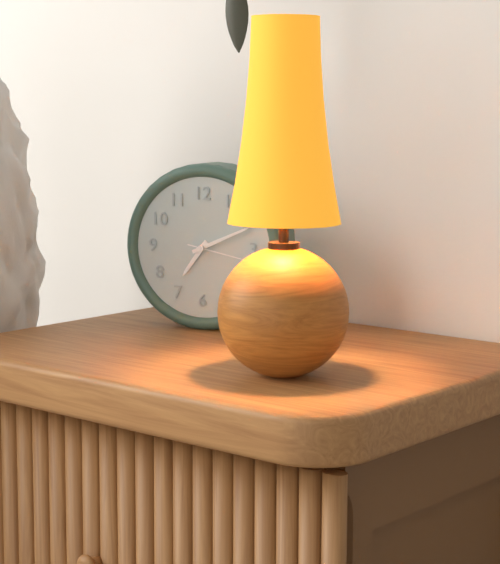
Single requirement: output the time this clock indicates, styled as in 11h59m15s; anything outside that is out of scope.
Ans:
7h11m17s
